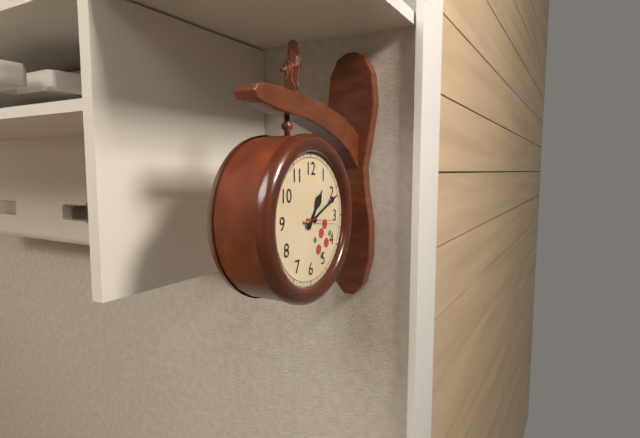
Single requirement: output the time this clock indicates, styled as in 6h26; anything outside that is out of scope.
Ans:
1h11
